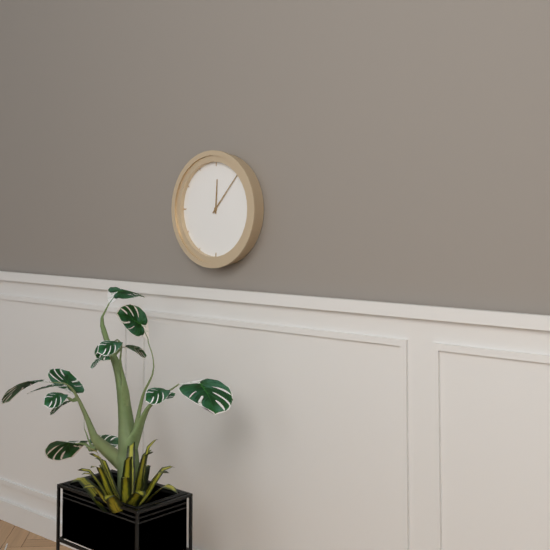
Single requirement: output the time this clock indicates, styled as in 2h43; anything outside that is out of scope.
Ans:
12h07
